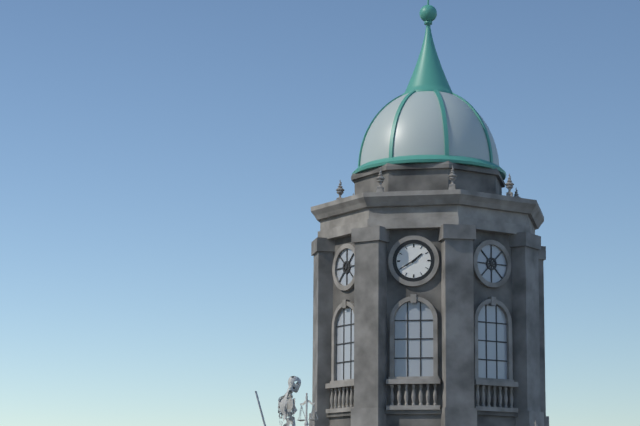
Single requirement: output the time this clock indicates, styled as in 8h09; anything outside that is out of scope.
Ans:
1h40
